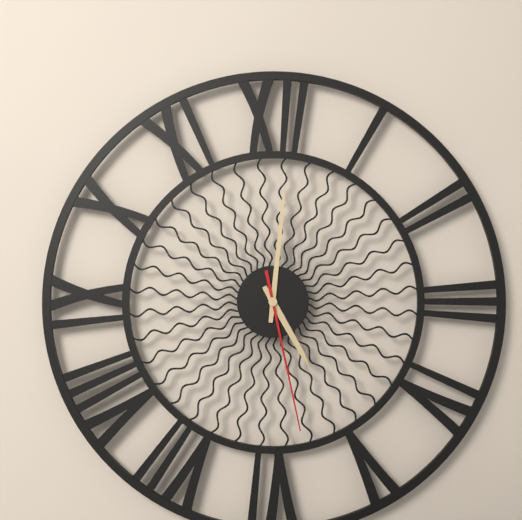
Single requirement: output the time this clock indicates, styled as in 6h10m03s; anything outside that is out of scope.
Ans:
5h01m28s
